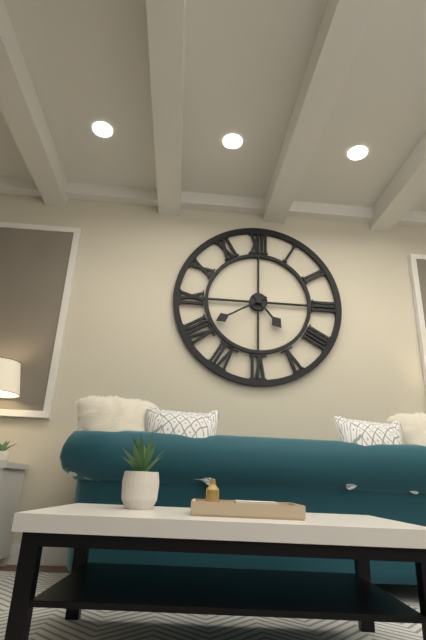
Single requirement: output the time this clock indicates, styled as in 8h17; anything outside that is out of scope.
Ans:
4h40
